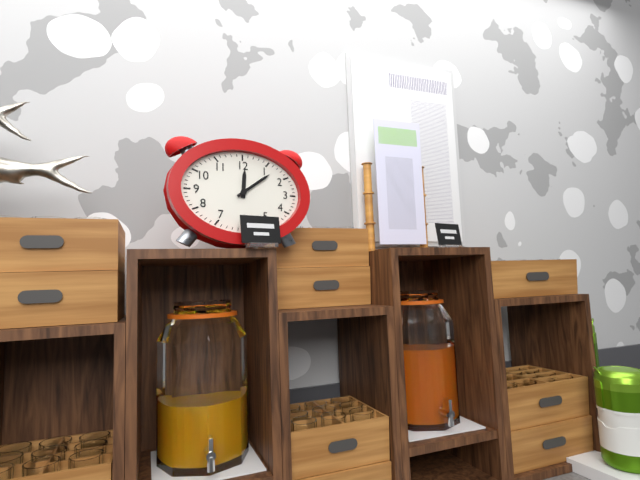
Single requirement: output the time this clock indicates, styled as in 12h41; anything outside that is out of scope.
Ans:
12h09
